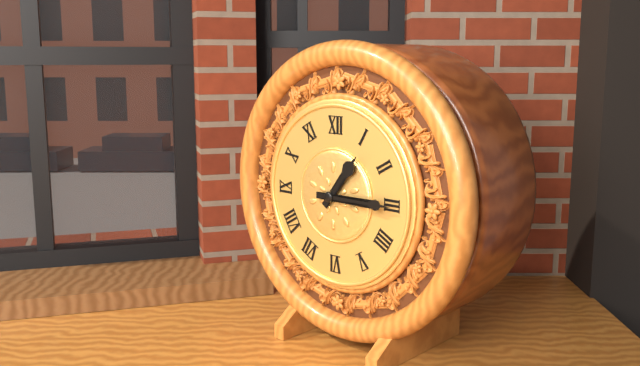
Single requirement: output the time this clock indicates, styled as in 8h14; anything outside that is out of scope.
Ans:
1h15
